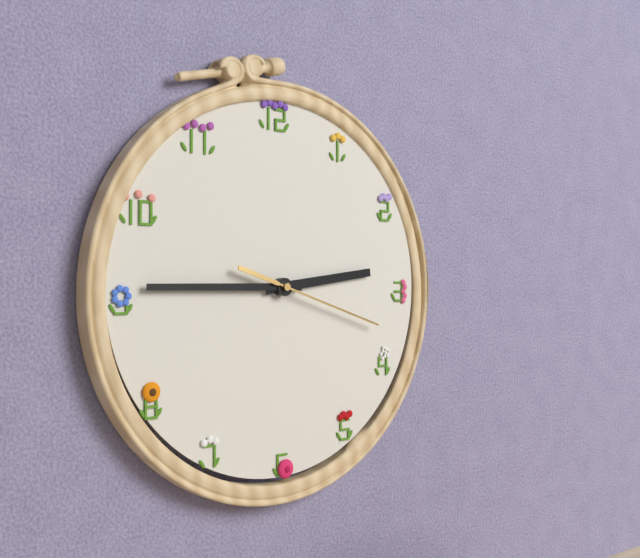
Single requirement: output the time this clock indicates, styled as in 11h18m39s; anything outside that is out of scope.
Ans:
2h45m18s
